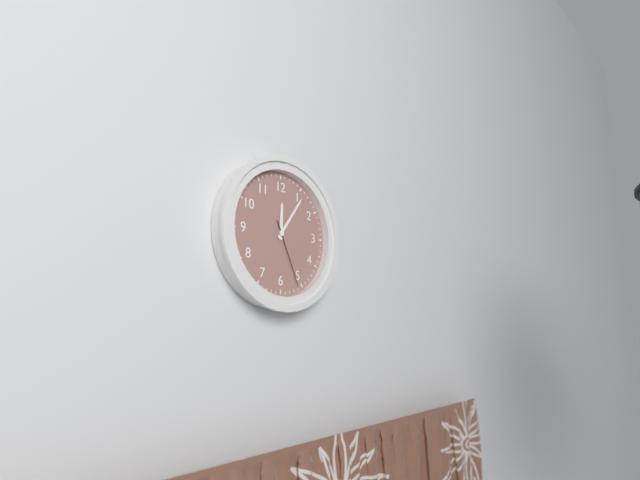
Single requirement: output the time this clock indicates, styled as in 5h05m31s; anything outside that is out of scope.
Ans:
12h06m26s
